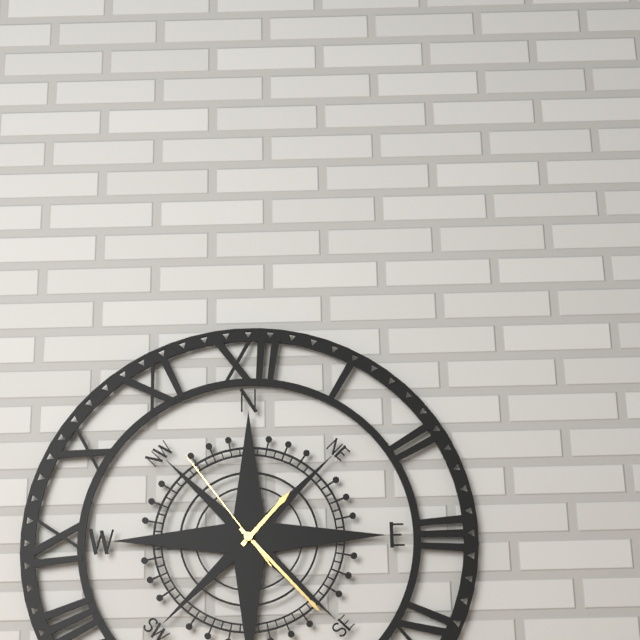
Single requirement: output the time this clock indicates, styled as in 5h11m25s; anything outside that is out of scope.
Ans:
1h23m54s
